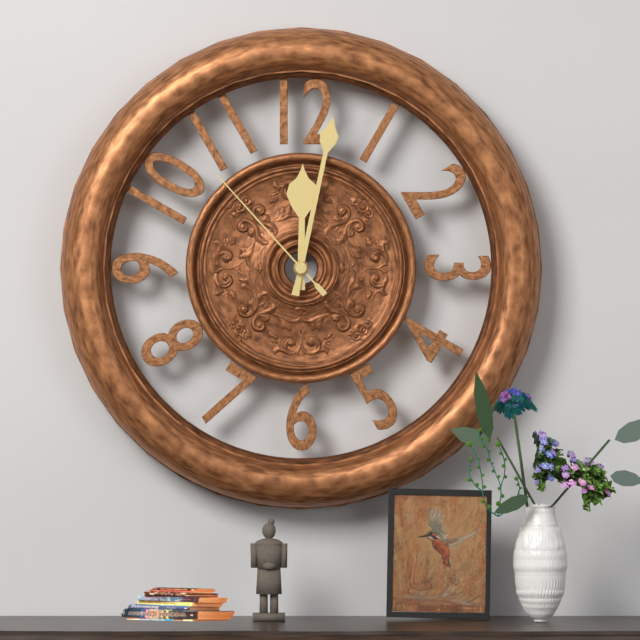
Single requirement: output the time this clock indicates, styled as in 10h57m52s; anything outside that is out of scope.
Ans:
12h02m53s
